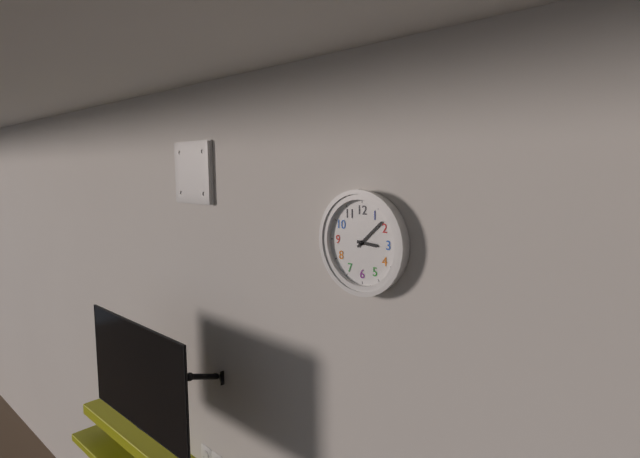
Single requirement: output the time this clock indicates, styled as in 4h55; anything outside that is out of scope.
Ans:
3h08
